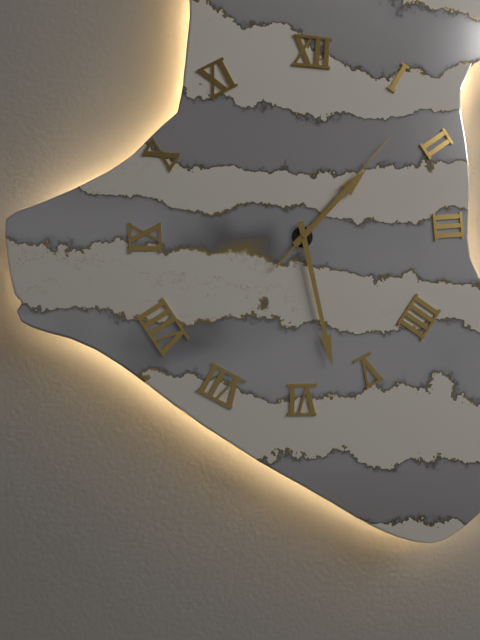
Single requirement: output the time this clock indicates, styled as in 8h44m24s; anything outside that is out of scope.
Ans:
1h28m07s
